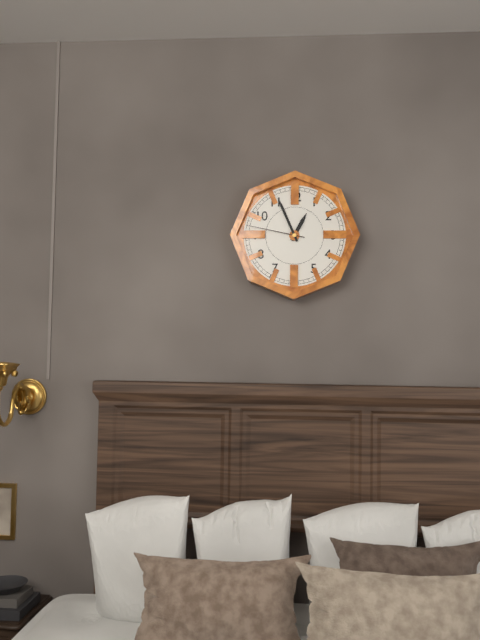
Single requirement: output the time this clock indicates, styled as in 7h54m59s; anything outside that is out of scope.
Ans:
12h56m47s
